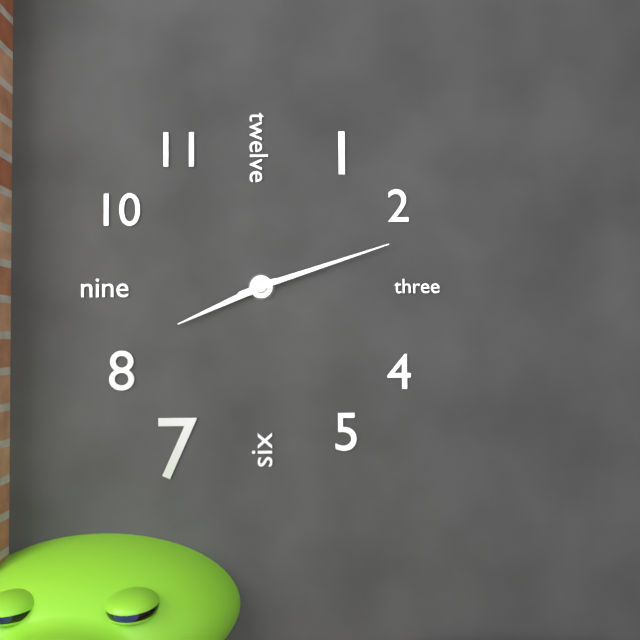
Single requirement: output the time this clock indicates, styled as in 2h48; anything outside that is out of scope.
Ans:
8h12
